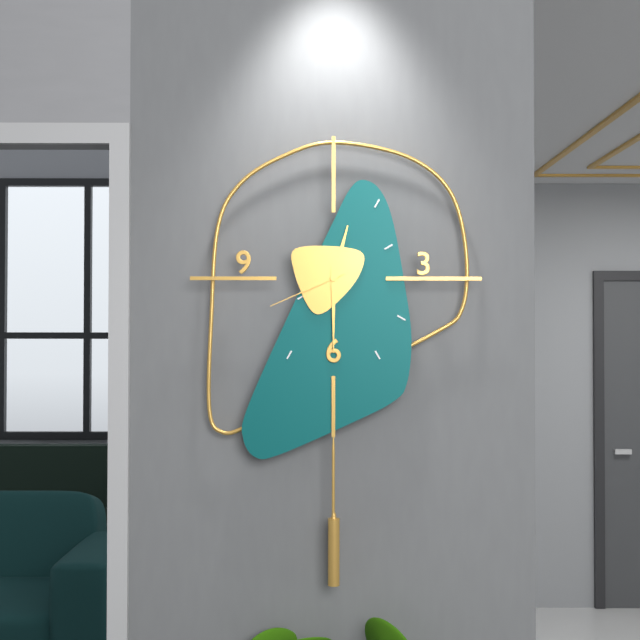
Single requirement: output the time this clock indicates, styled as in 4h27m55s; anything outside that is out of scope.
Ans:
12h30m41s
